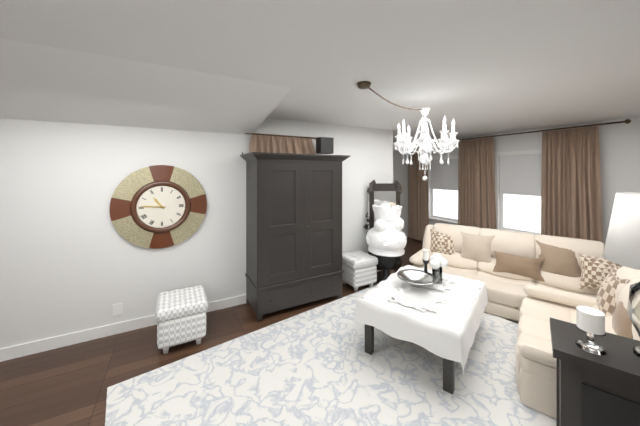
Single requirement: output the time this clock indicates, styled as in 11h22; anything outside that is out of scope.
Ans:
10h46
